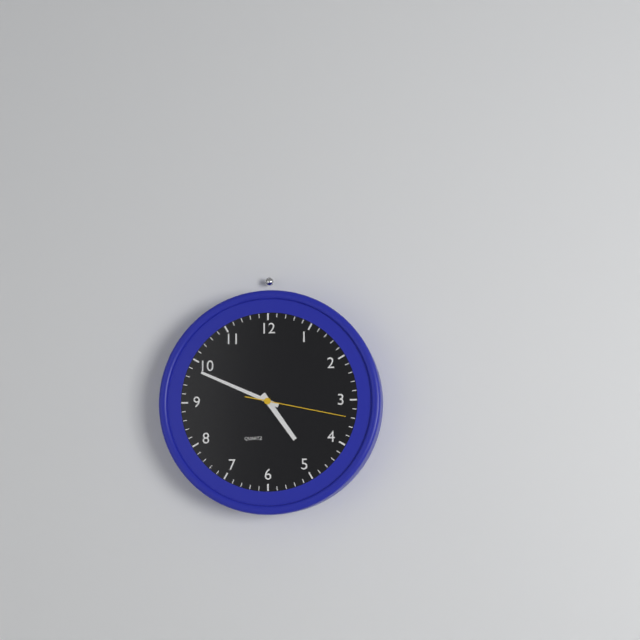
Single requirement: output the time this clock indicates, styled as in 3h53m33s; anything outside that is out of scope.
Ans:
4h49m17s
